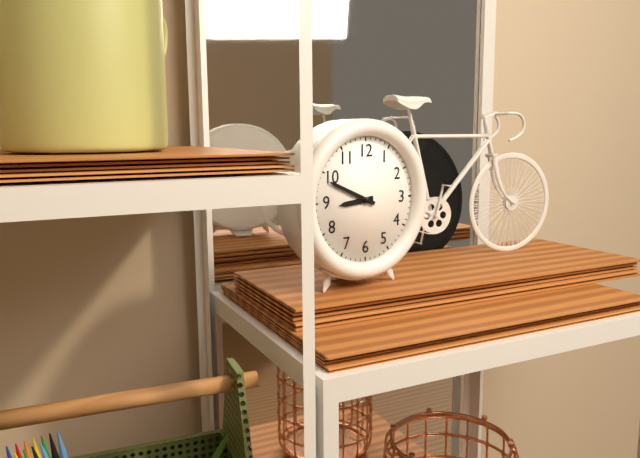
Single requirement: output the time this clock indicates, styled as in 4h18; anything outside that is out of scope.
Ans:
8h49
